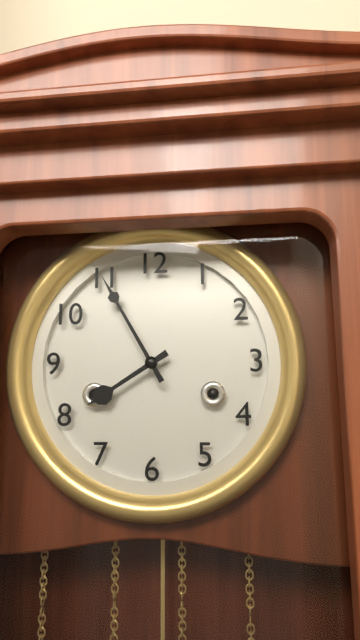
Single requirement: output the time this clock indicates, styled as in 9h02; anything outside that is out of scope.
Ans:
7h55
